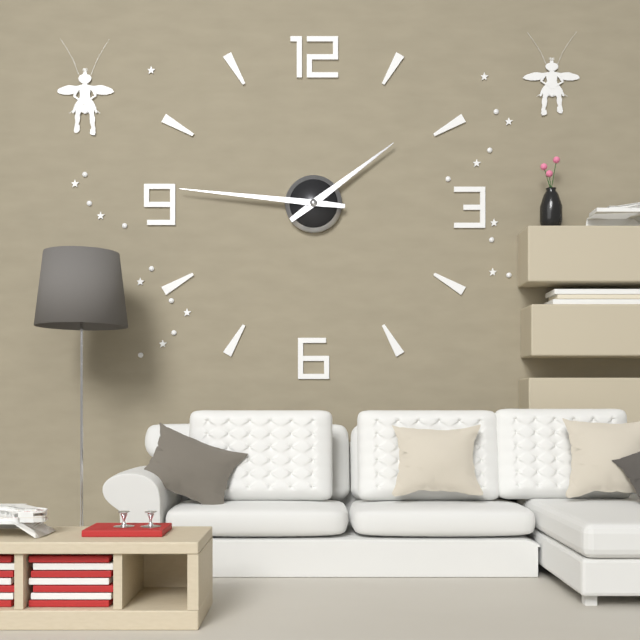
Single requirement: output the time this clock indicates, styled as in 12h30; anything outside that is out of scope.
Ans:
1h46
